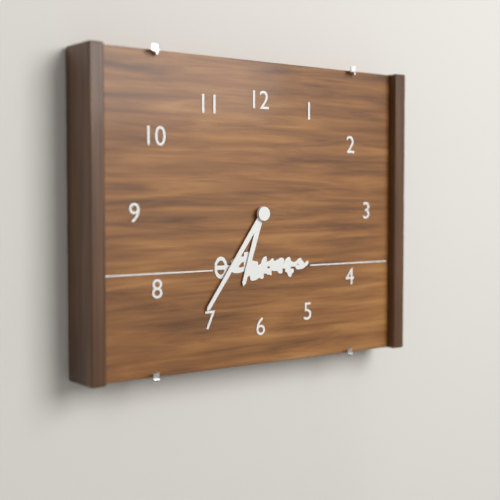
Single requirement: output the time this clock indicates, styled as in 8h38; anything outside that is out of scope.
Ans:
6h36
